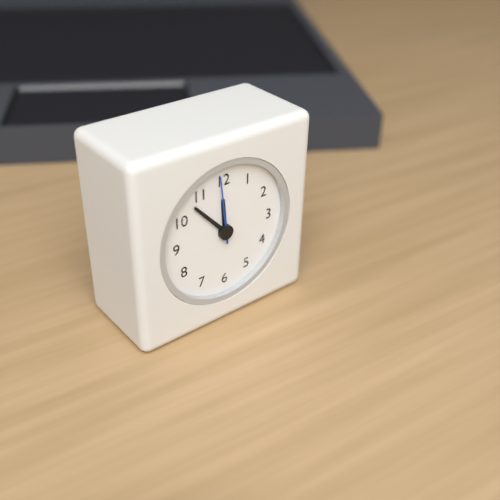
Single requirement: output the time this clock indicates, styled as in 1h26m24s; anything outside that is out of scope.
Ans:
11h53m59s
